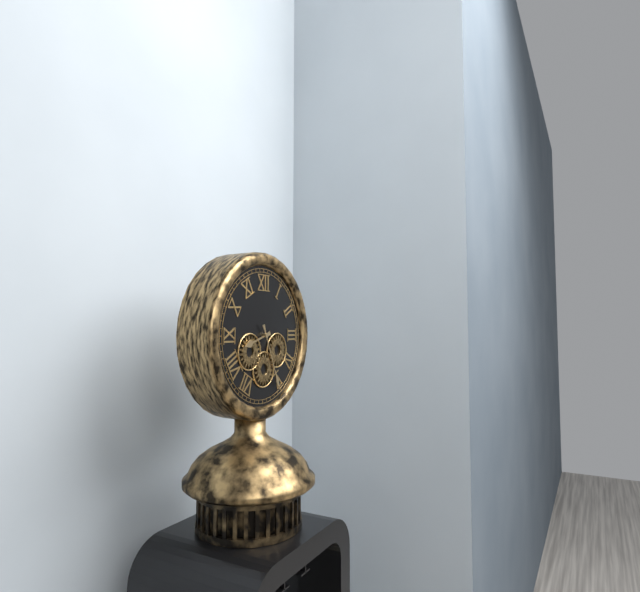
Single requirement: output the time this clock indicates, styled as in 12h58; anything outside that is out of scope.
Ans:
8h26
